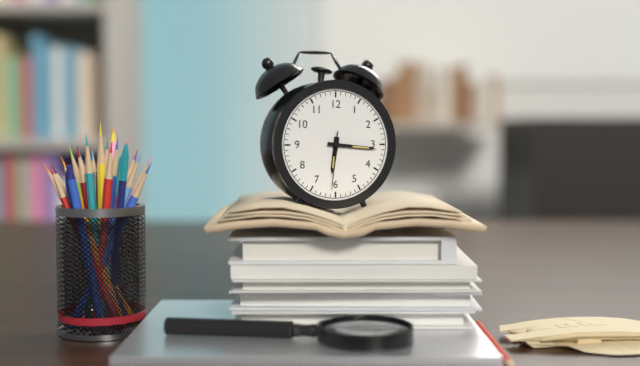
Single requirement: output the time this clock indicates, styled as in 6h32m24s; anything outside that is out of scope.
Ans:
6h16m31s
